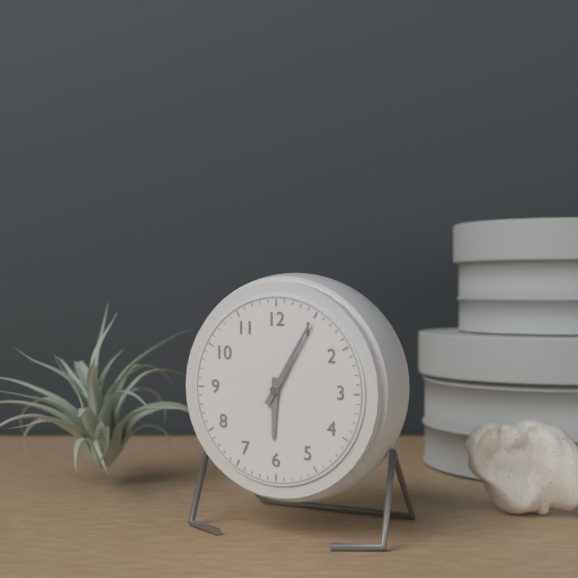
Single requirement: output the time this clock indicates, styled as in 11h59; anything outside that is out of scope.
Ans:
6h05
